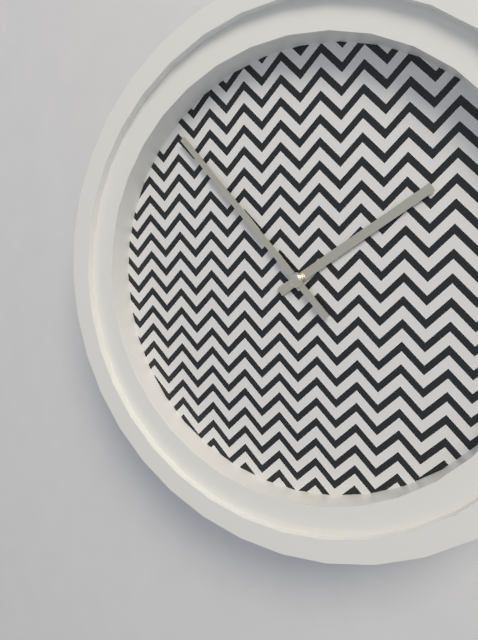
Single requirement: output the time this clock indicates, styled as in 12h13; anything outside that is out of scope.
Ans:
1h53
